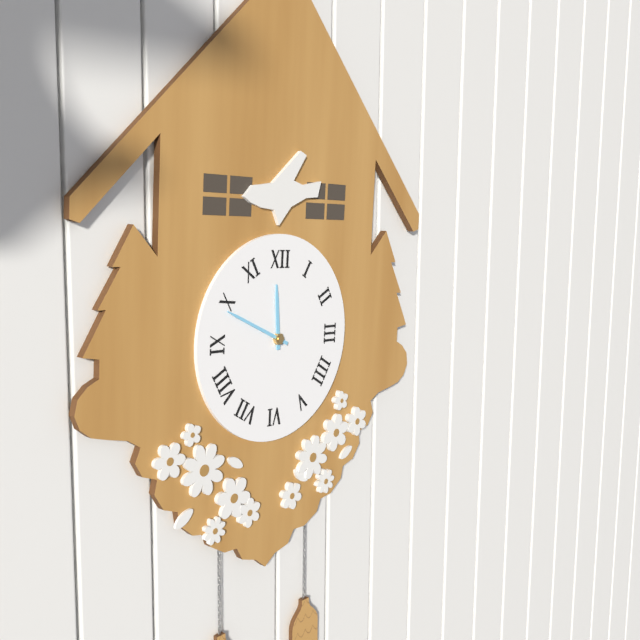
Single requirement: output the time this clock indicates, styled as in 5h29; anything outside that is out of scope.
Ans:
11h49
